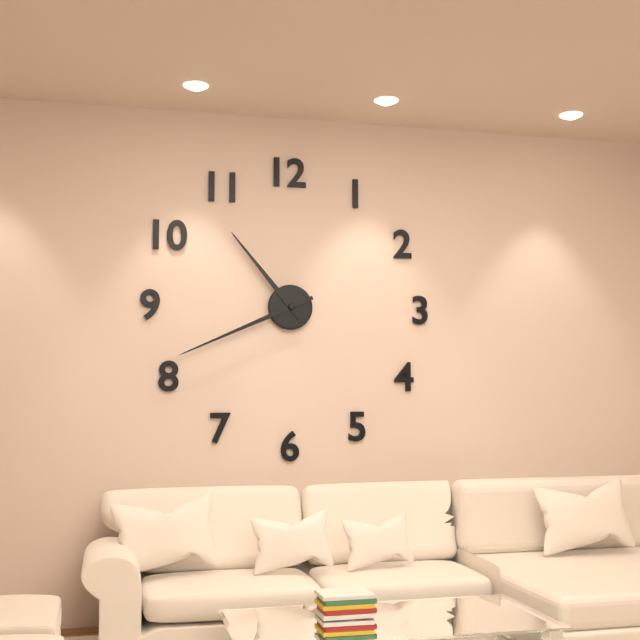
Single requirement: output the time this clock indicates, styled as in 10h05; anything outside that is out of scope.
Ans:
10h41
